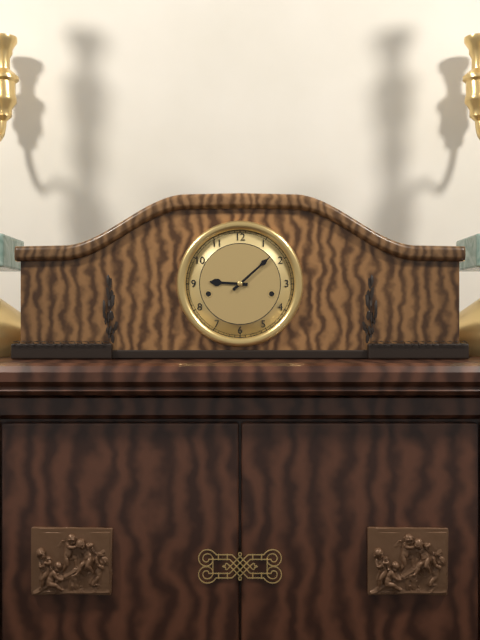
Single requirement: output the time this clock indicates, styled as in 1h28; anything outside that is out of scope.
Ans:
9h08
